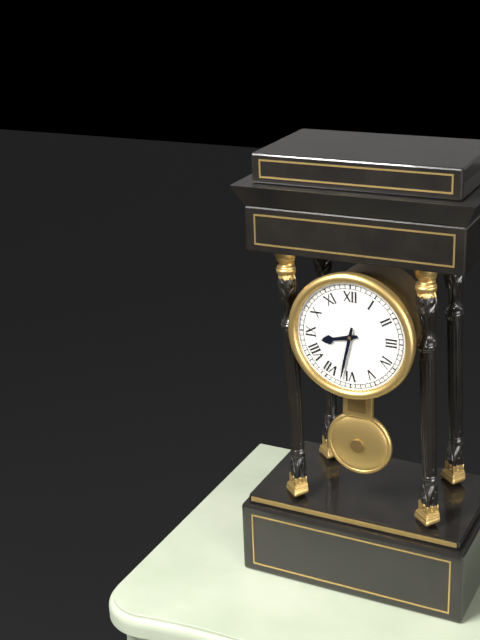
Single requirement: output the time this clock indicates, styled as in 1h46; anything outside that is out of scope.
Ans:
8h32
